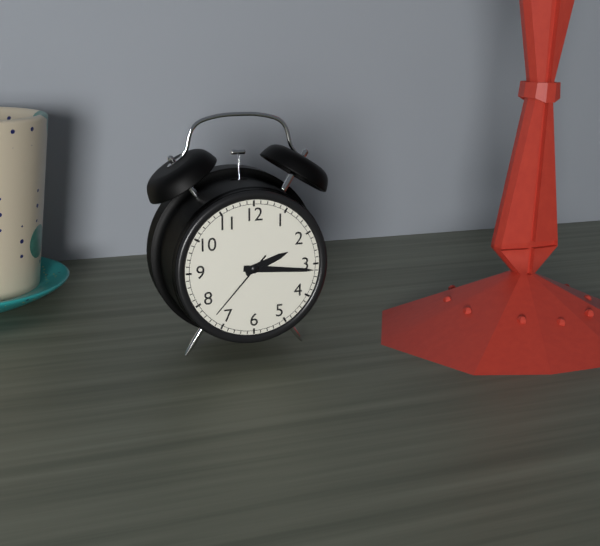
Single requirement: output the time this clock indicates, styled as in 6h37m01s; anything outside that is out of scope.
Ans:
2h16m37s
